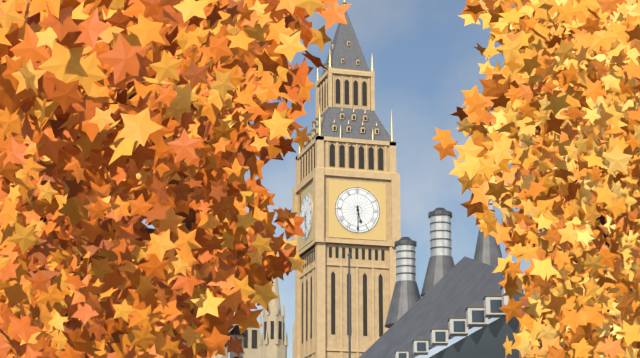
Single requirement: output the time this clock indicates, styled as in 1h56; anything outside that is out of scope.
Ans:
5h30
